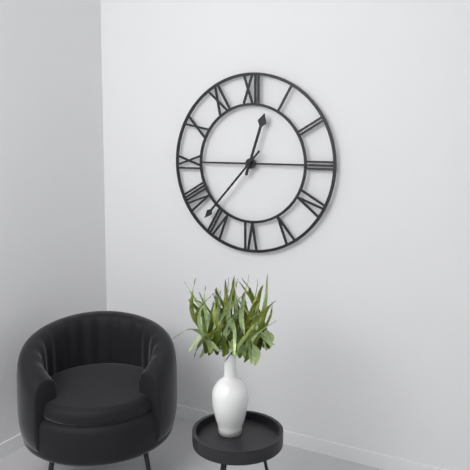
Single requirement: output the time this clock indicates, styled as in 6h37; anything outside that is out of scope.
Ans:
12h37
